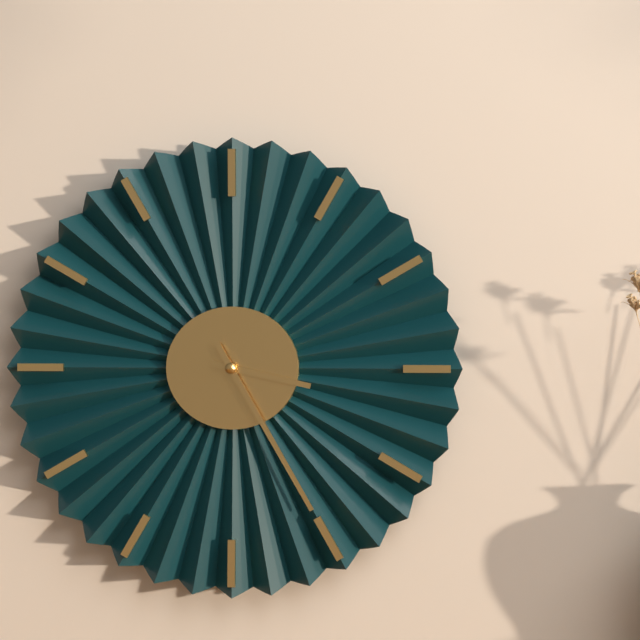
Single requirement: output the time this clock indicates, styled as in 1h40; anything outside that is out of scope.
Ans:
3h25
